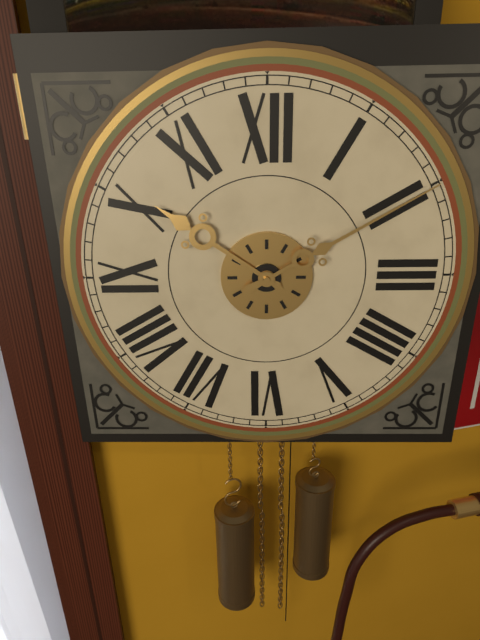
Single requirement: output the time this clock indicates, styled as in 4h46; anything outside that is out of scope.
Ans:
10h10
